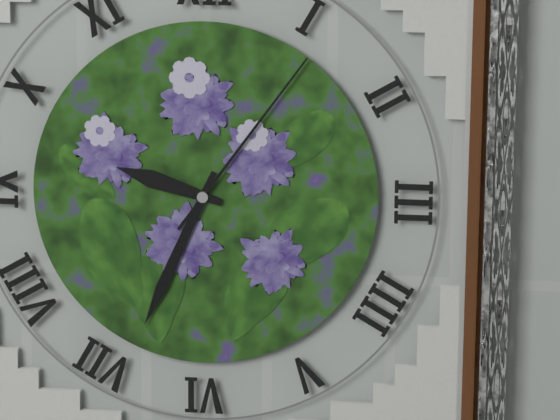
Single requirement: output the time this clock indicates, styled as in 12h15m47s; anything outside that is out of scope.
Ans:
9h34m06s
